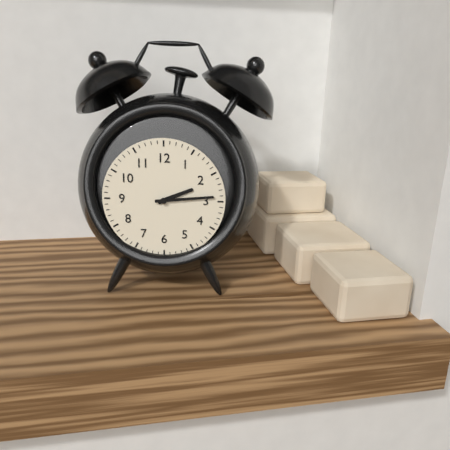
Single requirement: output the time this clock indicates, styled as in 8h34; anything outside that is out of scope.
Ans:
2h14
